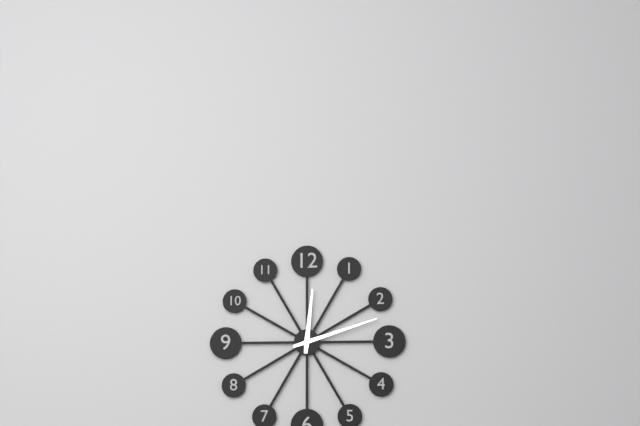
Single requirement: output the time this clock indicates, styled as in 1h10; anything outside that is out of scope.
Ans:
12h12
